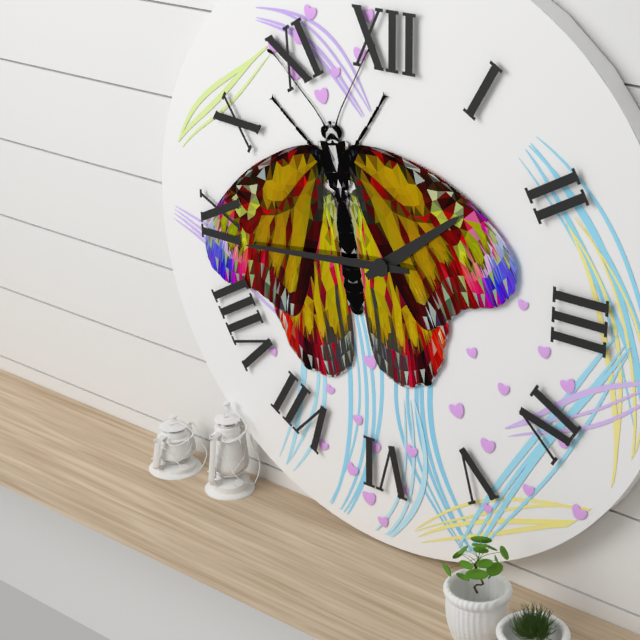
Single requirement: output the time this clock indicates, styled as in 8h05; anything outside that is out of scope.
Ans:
1h44
